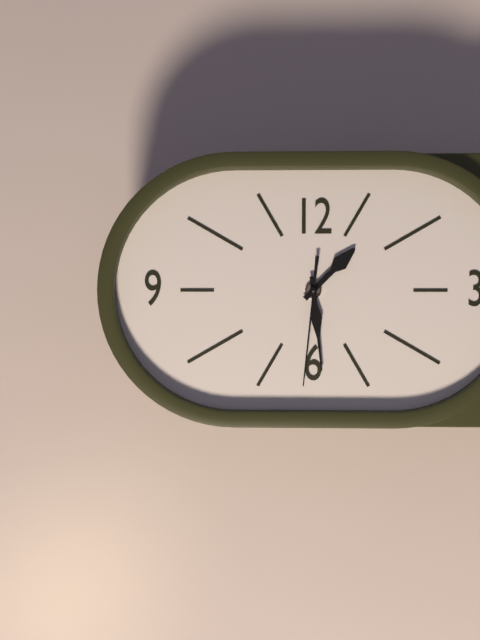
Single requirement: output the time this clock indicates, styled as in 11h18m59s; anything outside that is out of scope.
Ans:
1h29m31s
